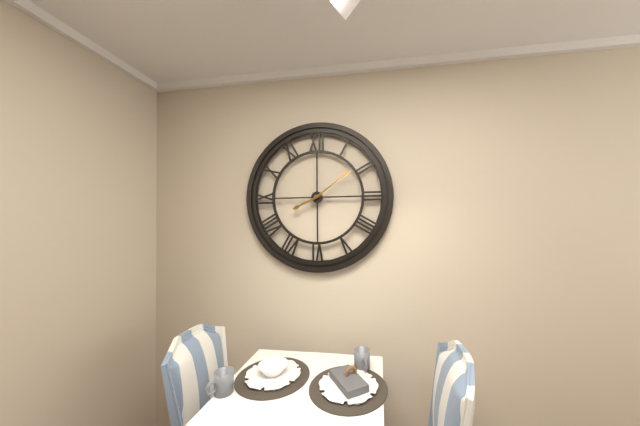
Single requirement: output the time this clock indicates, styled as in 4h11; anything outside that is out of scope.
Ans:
8h09
